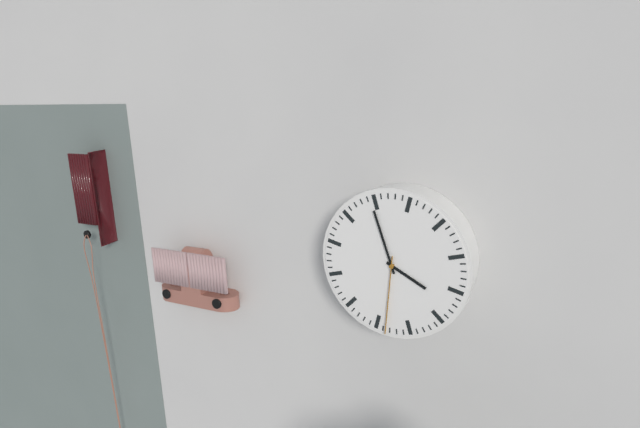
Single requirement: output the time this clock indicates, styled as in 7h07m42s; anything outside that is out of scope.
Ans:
3h57m31s
